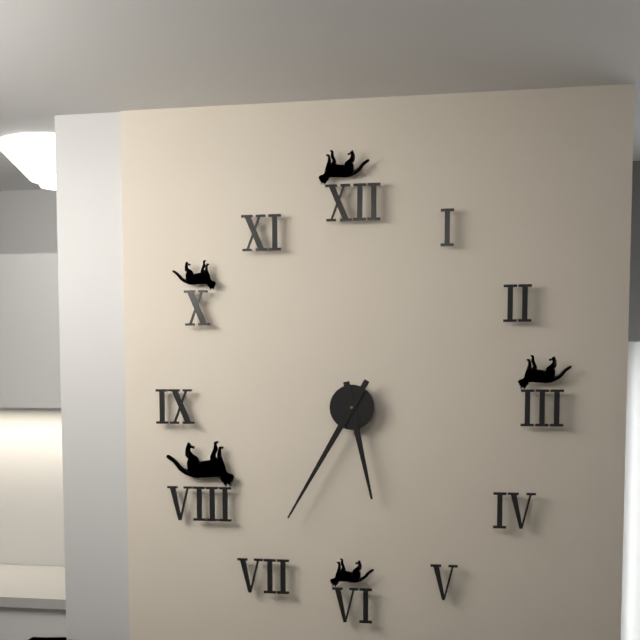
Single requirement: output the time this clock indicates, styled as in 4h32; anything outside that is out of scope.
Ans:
5h35
